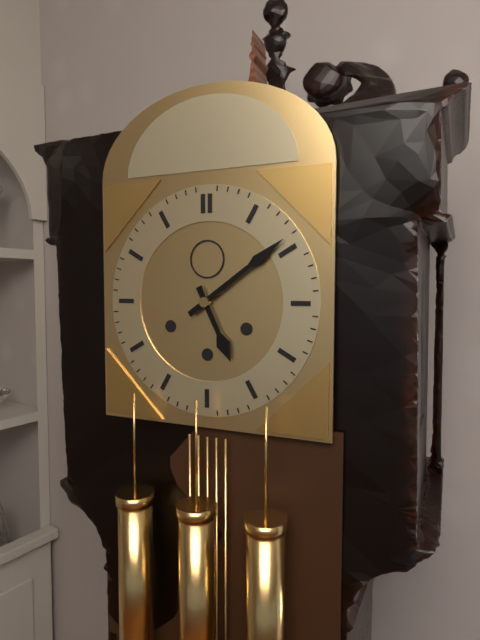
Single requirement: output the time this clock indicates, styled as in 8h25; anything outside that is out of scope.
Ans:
5h09
